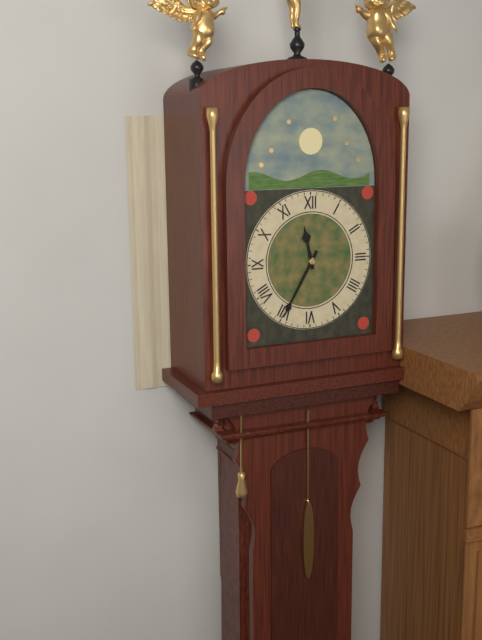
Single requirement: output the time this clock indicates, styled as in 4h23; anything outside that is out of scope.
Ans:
11h35
